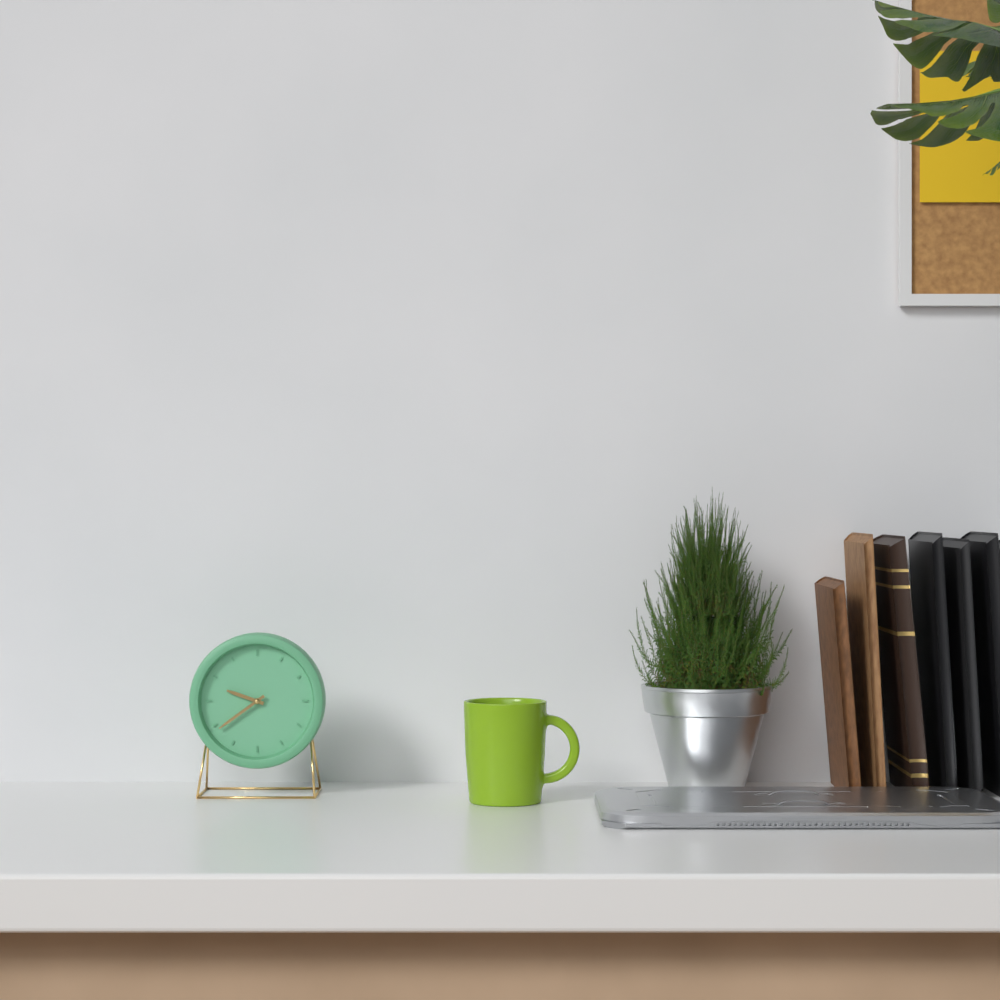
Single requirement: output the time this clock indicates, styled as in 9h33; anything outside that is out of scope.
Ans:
9h39
